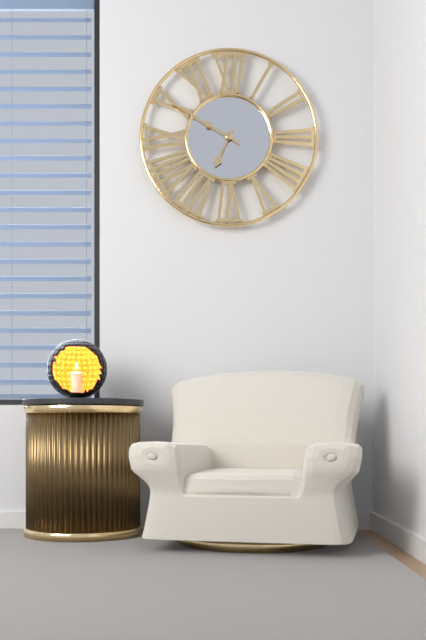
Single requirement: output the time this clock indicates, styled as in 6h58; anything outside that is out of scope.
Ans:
6h50
